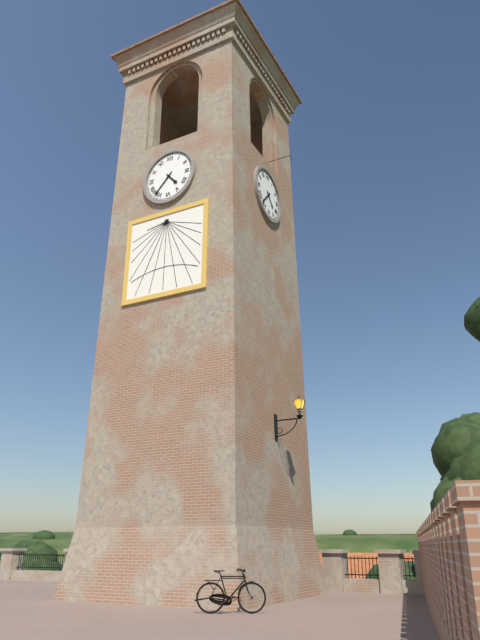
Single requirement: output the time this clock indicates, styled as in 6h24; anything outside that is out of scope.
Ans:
4h37
